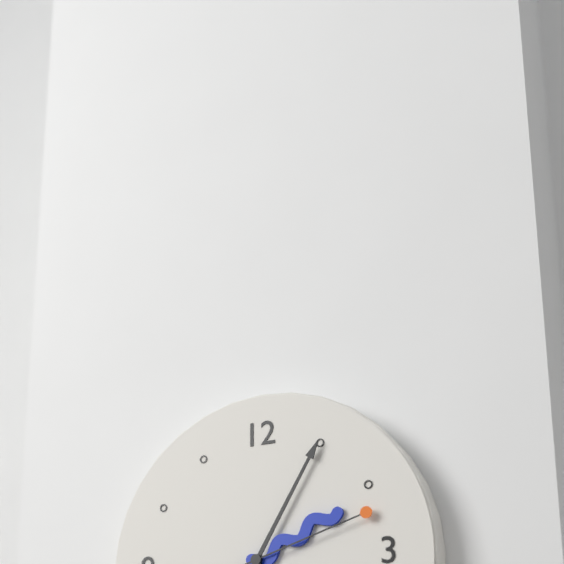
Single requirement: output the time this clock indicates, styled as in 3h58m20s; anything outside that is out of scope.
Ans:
2h05m12s
